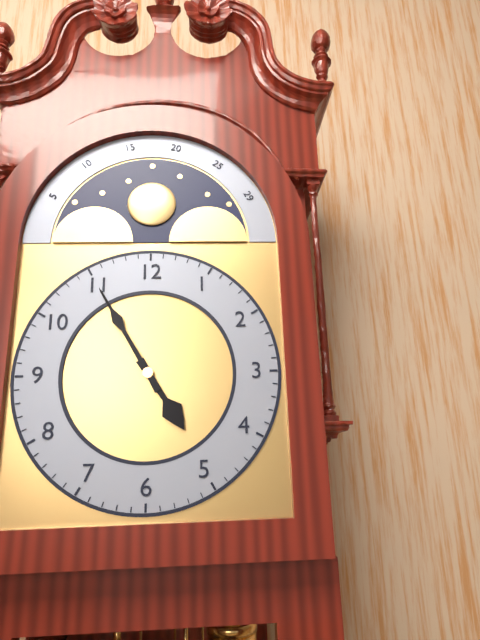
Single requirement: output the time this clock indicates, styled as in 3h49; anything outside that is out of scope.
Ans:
4h55
